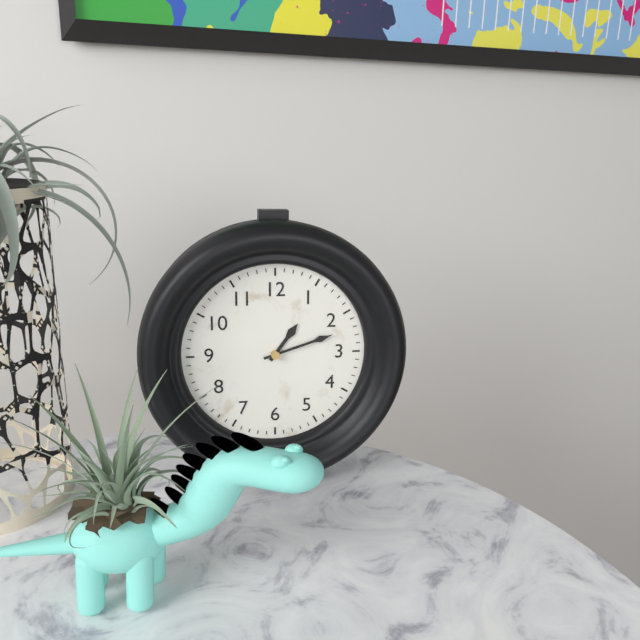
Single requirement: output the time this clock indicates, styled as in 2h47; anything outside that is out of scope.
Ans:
1h12
